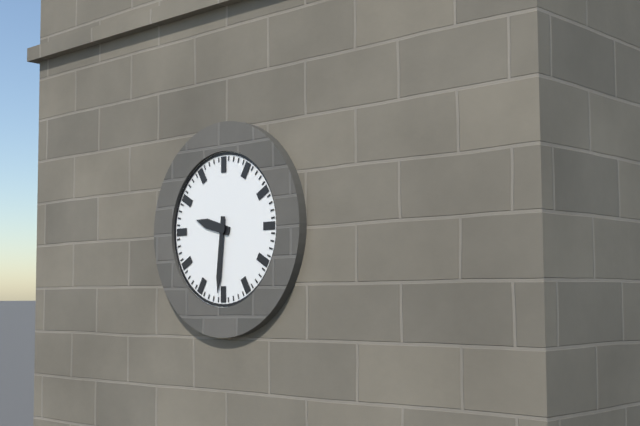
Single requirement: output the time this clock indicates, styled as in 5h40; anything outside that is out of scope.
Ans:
9h31
